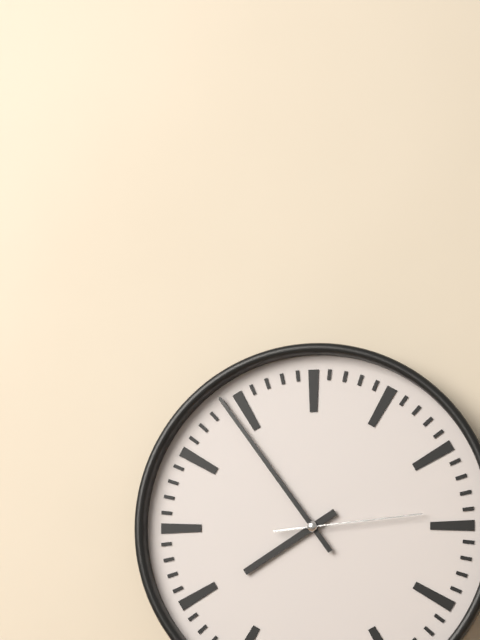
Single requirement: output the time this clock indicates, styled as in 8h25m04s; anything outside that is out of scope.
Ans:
7h54m14s
